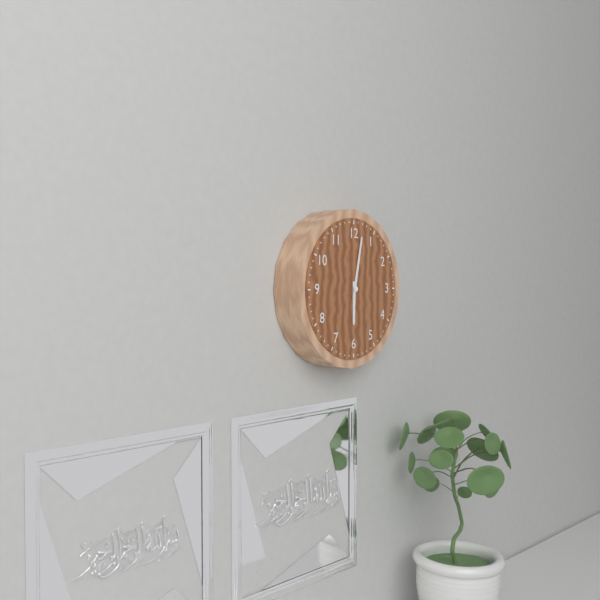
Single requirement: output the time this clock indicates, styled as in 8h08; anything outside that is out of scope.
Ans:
6h02
